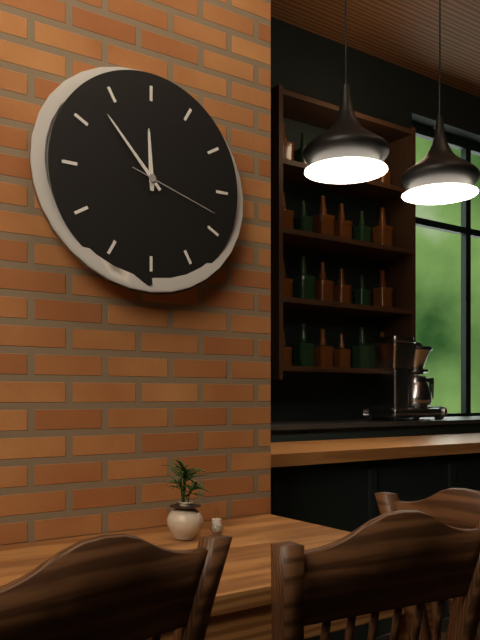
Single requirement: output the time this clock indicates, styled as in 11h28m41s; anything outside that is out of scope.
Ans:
11h53m18s
